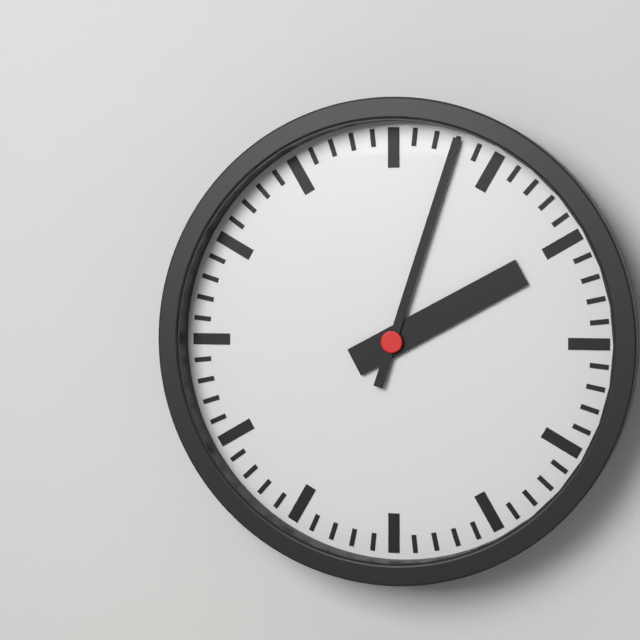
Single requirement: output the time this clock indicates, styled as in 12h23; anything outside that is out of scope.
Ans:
2h03
